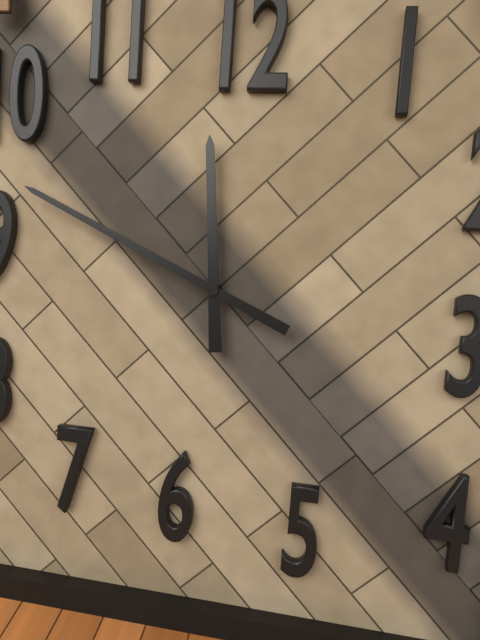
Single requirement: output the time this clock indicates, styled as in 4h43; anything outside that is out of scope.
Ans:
11h49
